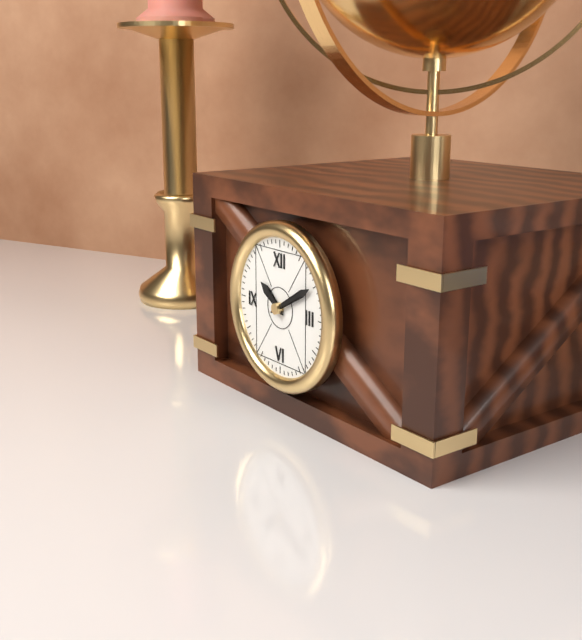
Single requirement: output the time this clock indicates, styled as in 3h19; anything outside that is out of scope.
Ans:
10h10
